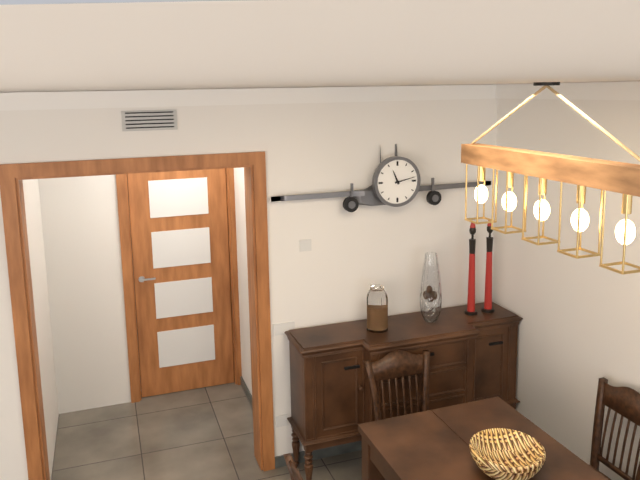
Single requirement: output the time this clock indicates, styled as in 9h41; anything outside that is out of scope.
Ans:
11h13
